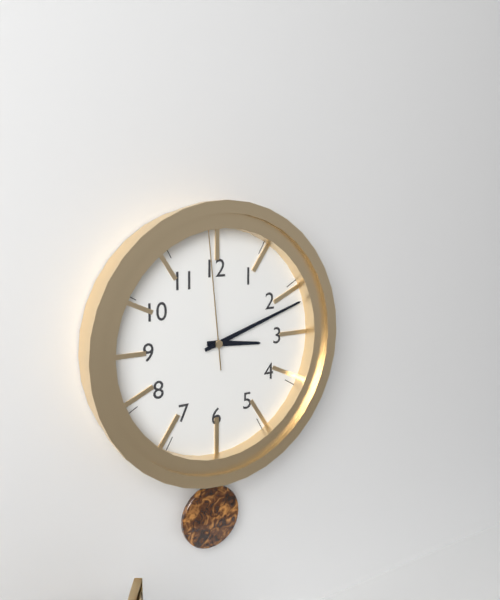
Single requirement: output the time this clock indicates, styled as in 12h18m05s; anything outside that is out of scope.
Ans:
3h12m59s
